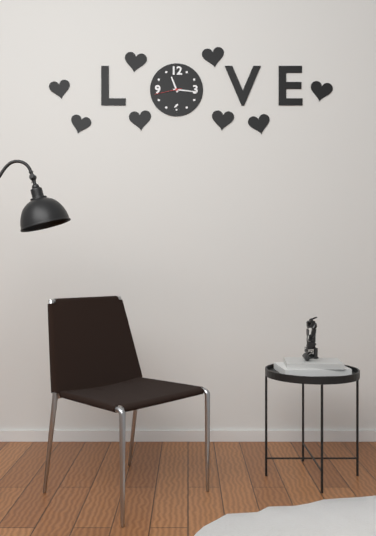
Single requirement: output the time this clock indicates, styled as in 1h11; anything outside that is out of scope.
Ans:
11h16
